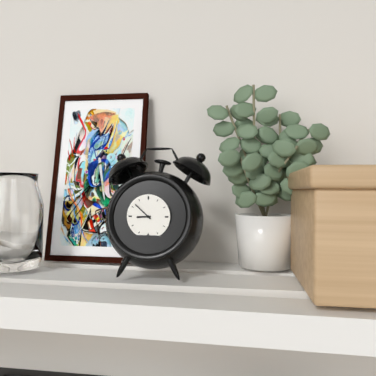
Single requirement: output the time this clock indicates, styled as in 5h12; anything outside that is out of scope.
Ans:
8h52
